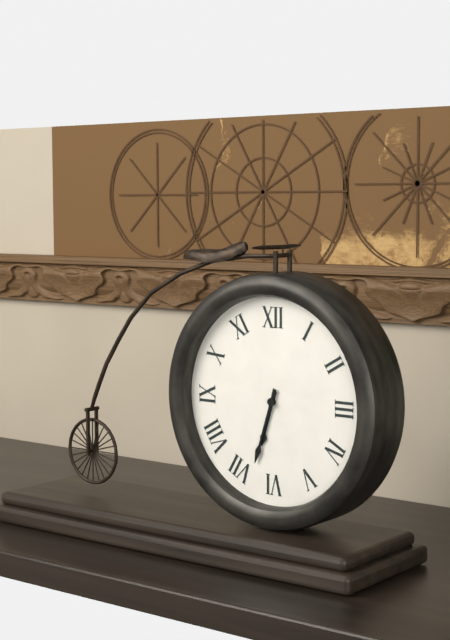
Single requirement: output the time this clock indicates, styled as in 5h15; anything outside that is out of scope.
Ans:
6h33
